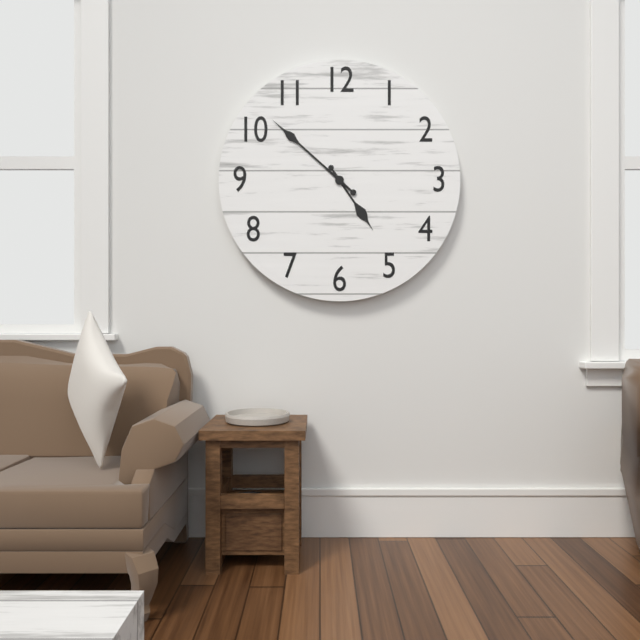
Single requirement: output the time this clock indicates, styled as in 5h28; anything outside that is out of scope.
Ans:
4h52
